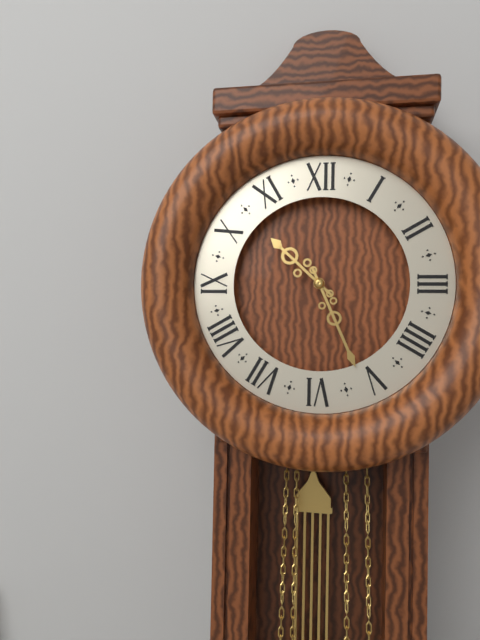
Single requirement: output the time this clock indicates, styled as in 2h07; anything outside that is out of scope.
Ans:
10h26
